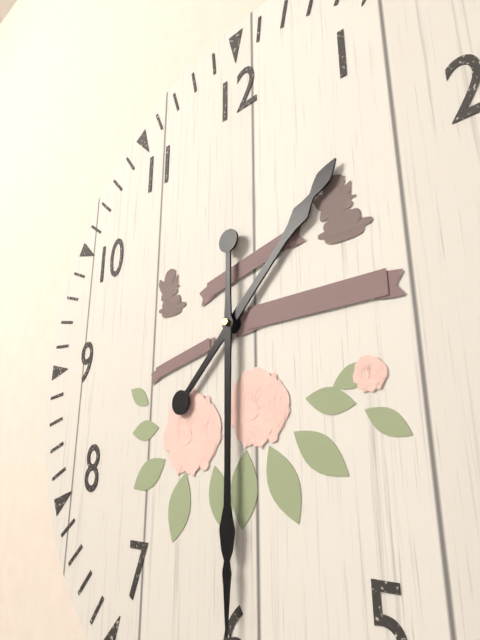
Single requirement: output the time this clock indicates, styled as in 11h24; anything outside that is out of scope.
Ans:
1h30
